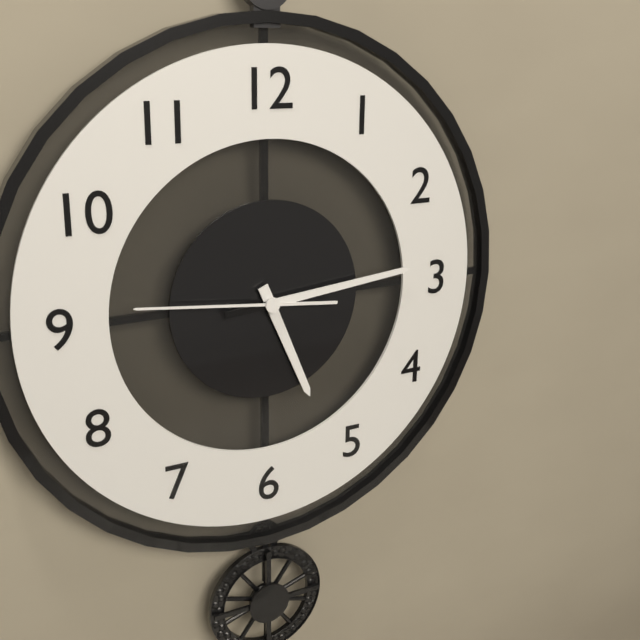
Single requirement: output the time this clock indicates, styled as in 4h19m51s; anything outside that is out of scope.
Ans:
5h14m46s
